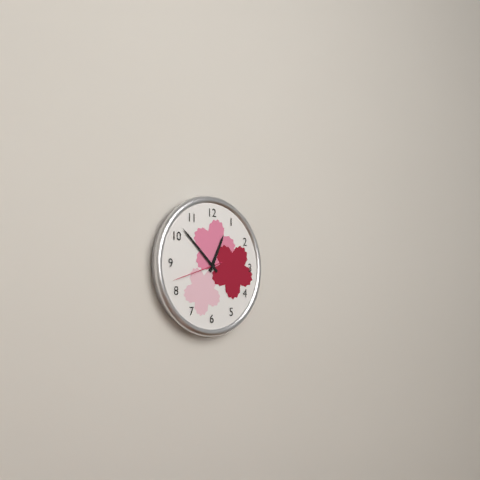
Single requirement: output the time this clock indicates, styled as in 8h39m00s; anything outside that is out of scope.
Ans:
12h52m42s
